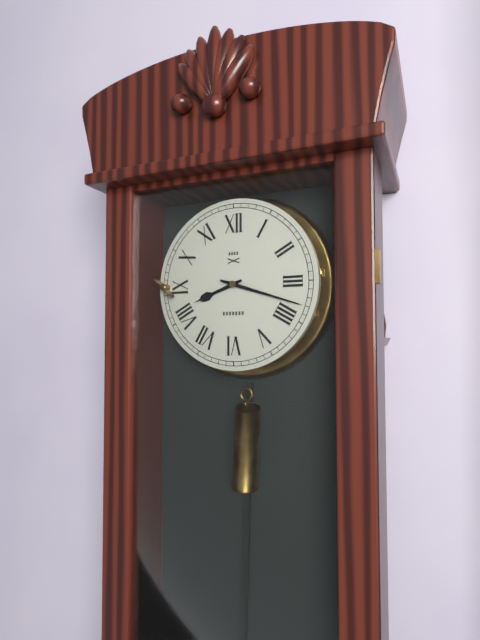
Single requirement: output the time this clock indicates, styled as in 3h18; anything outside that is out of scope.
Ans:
8h18
